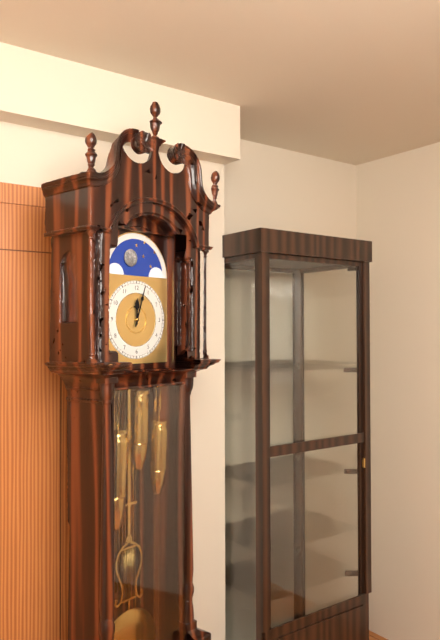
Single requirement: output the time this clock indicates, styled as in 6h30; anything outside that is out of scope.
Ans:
12h03
